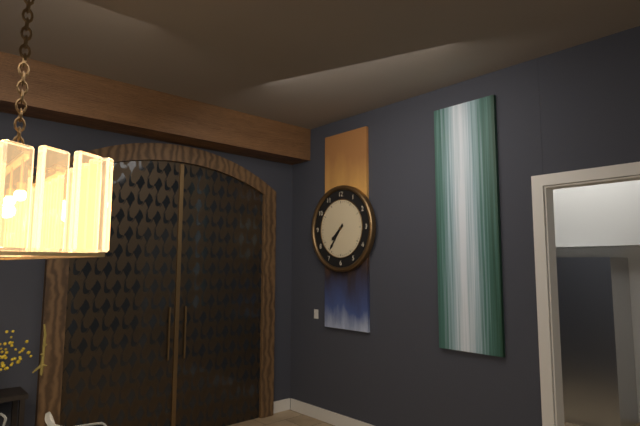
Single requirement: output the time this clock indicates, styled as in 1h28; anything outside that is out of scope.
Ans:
7h36
